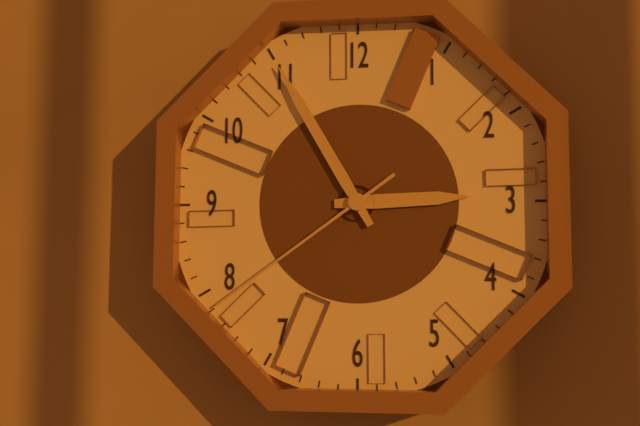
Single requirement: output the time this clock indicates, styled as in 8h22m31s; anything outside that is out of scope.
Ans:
2h55m39s
